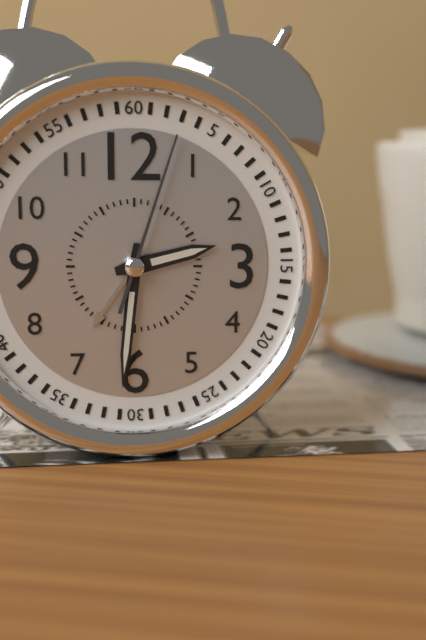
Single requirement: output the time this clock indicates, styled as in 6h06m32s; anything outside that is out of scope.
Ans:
2h31m03s
